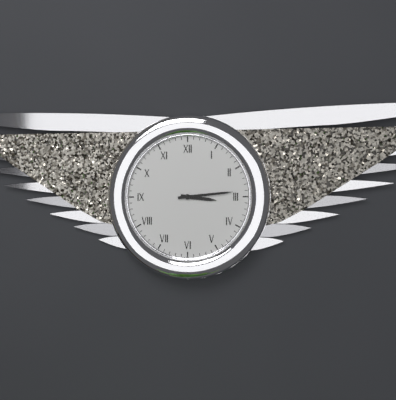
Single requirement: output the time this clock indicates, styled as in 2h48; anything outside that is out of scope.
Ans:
3h14
